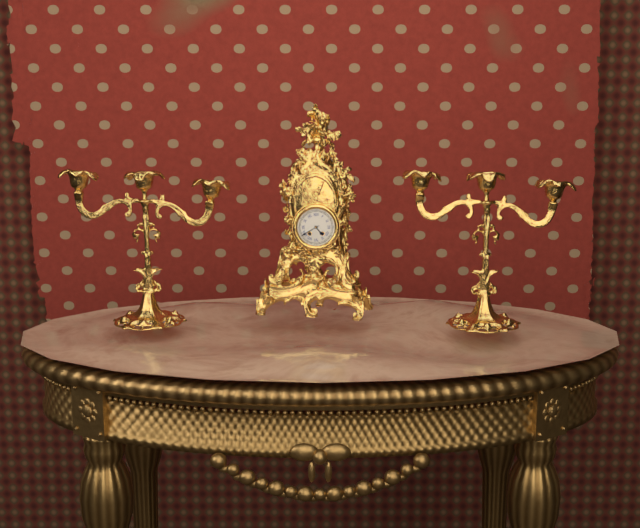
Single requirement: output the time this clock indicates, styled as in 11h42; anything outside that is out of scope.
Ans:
4h40
